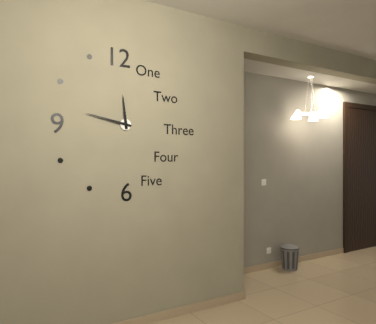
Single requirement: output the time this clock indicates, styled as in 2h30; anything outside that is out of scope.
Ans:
11h47
